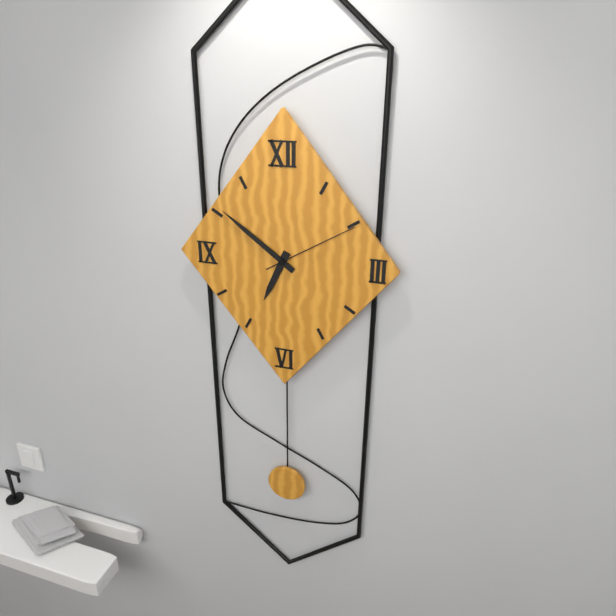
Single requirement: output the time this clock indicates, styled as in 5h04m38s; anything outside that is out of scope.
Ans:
6h51m10s
